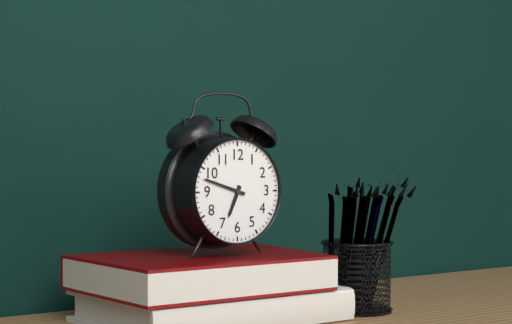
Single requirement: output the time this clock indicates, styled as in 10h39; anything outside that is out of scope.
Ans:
6h48
